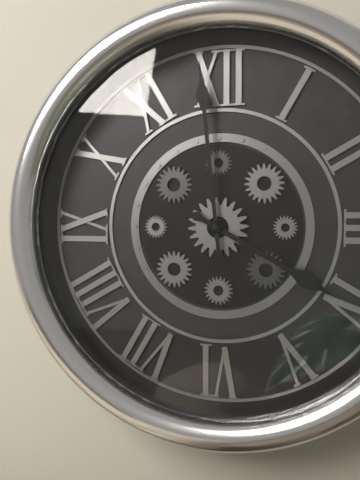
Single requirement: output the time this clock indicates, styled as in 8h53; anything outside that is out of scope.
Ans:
3h59
